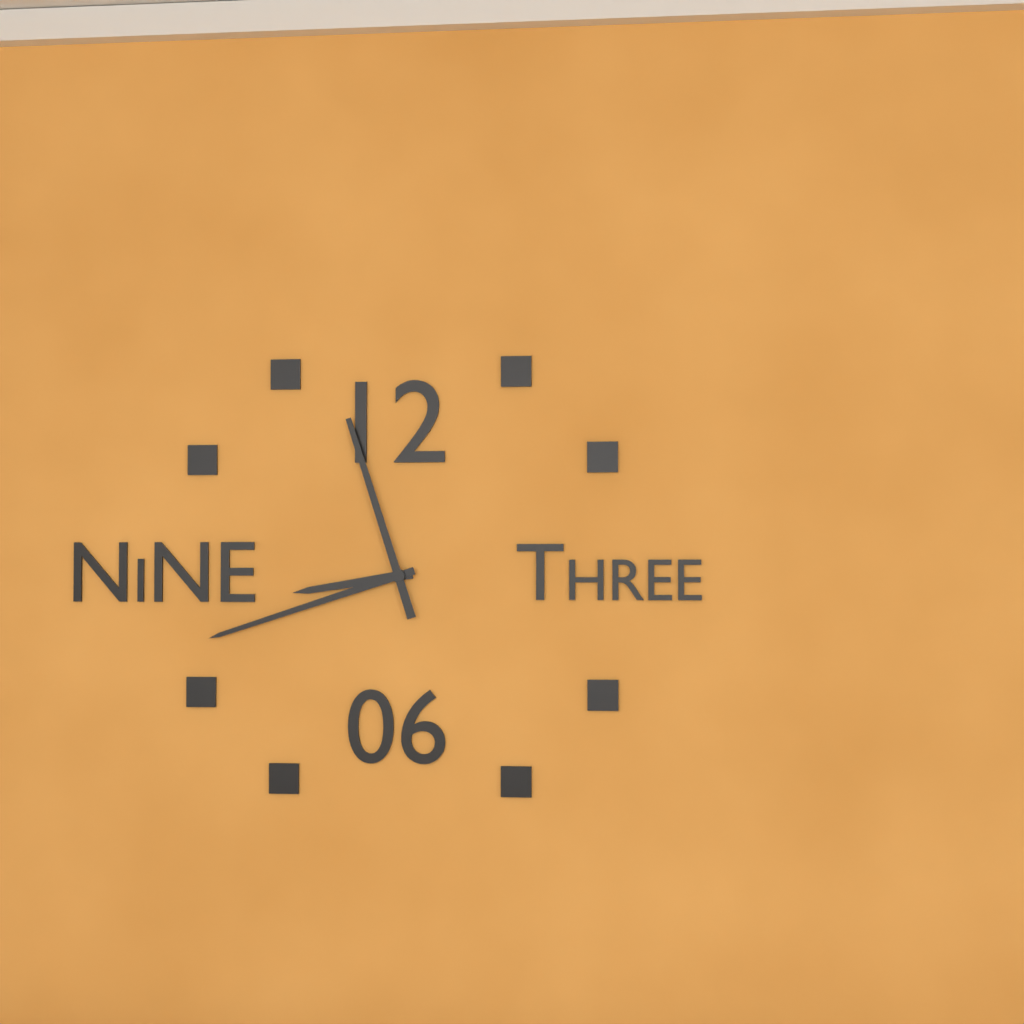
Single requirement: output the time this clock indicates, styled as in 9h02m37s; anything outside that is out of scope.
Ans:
8h42m57s
